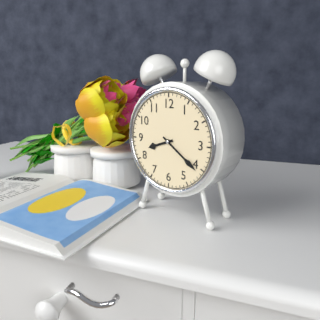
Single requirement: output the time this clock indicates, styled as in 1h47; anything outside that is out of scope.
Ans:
8h21
